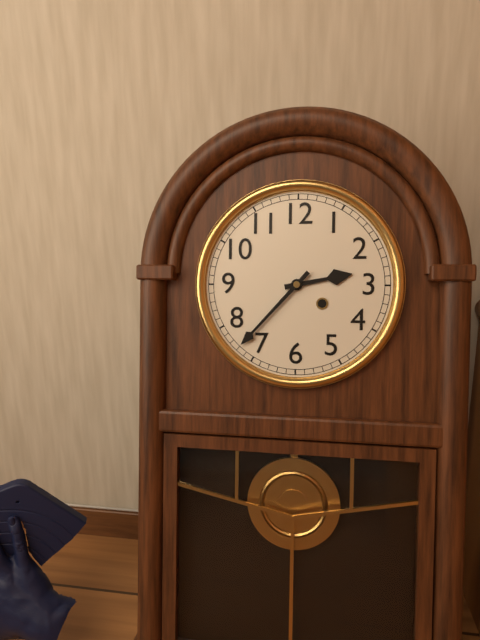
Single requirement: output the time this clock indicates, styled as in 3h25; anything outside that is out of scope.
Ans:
2h37
